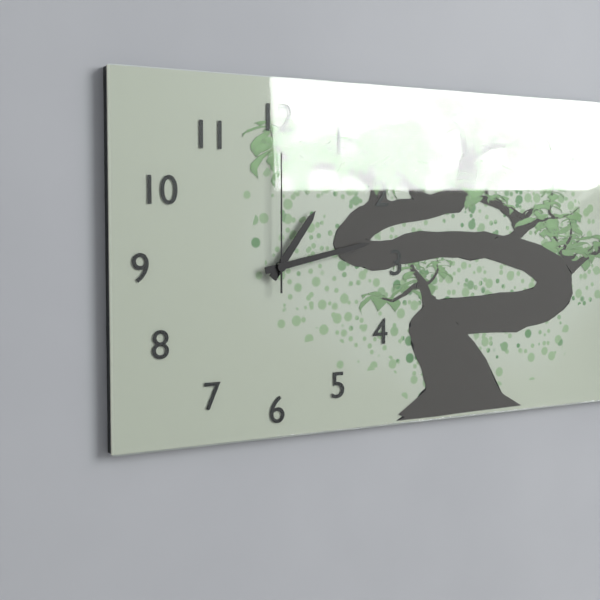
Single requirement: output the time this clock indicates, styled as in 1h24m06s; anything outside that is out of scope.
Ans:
1h13m00s
